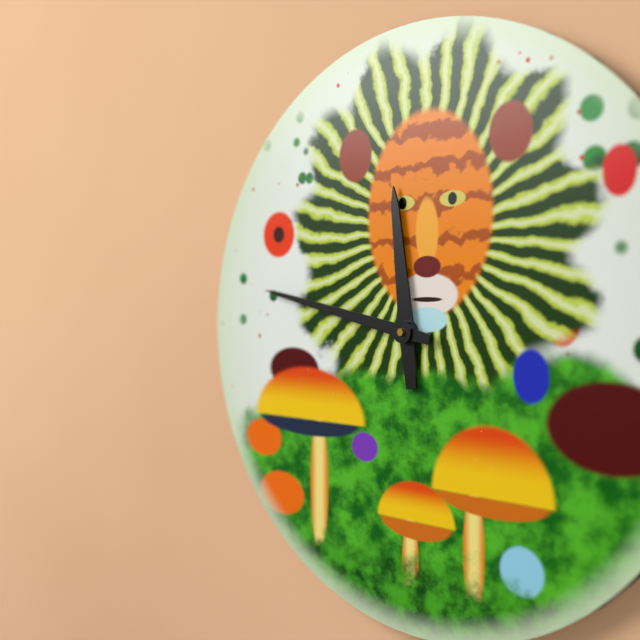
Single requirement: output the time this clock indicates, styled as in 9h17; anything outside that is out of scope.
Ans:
11h47
